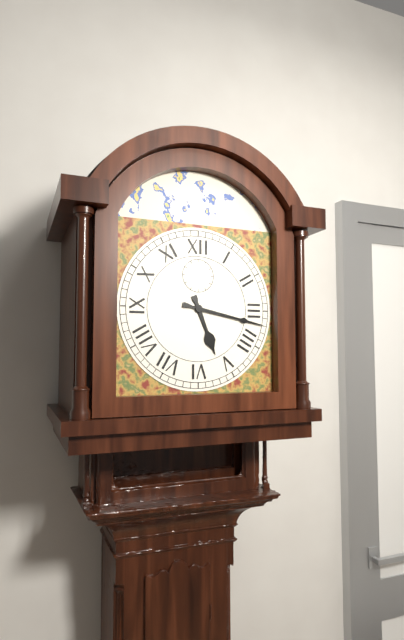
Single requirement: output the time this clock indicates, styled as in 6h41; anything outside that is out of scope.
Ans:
5h17
